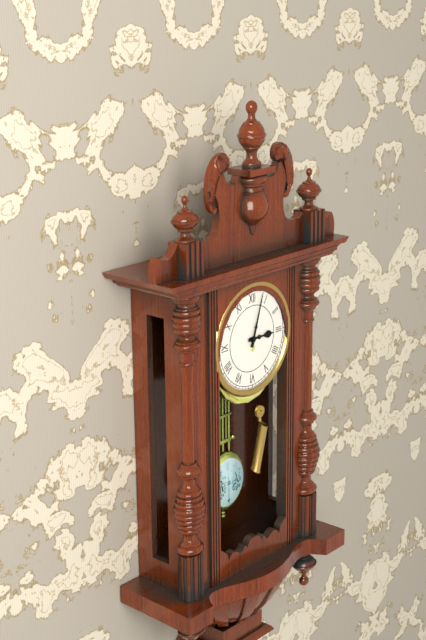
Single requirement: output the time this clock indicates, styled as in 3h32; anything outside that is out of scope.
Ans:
3h03
